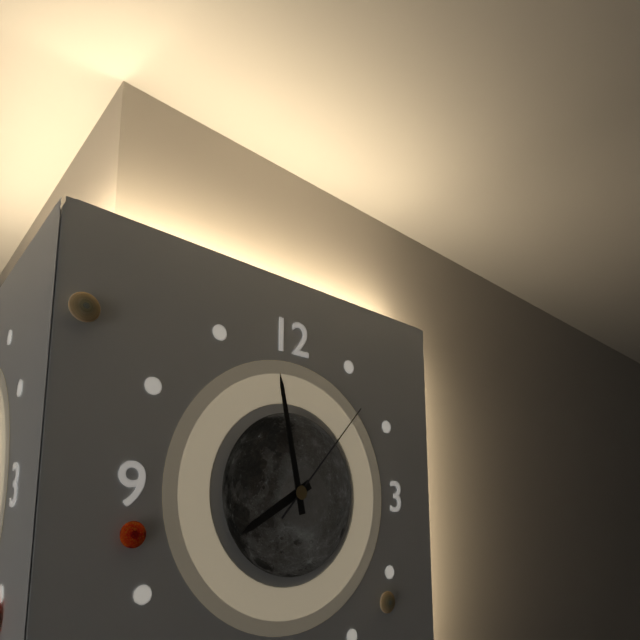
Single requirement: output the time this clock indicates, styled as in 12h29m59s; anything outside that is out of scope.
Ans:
7h58m07s
